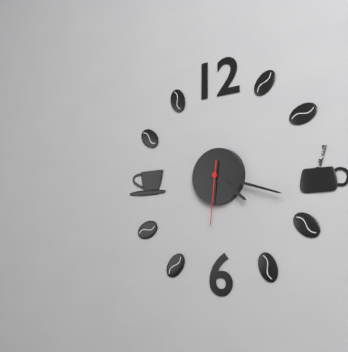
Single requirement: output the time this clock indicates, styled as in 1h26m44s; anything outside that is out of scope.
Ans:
4h18m31s
